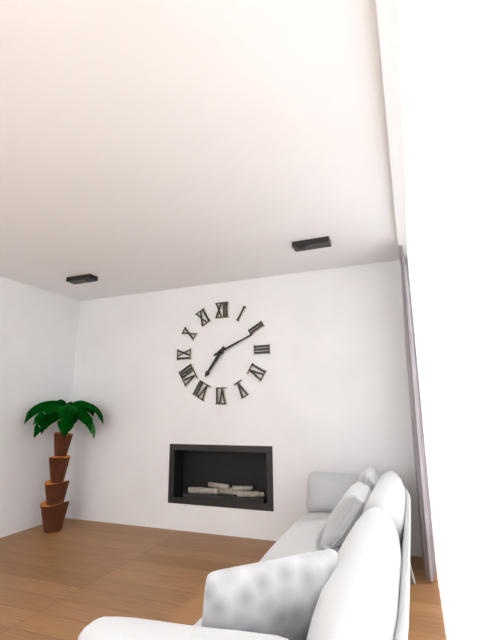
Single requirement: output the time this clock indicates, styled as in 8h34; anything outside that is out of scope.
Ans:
7h11
